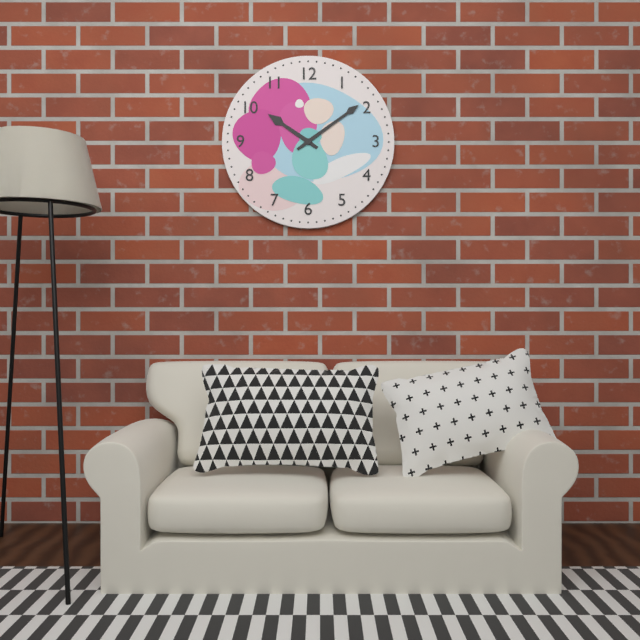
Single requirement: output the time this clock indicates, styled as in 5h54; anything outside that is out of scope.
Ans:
10h09
